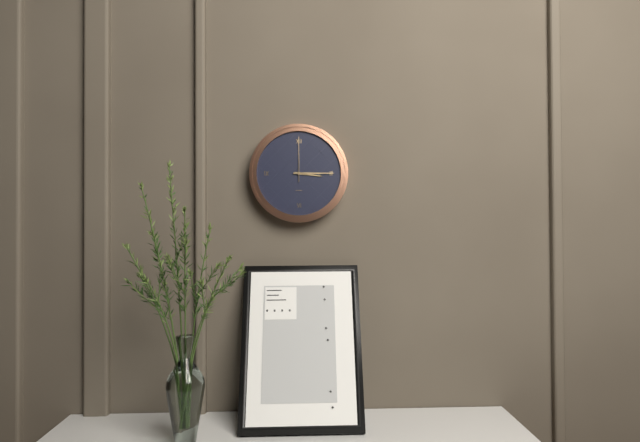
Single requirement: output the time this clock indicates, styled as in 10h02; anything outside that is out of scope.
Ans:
3h15
